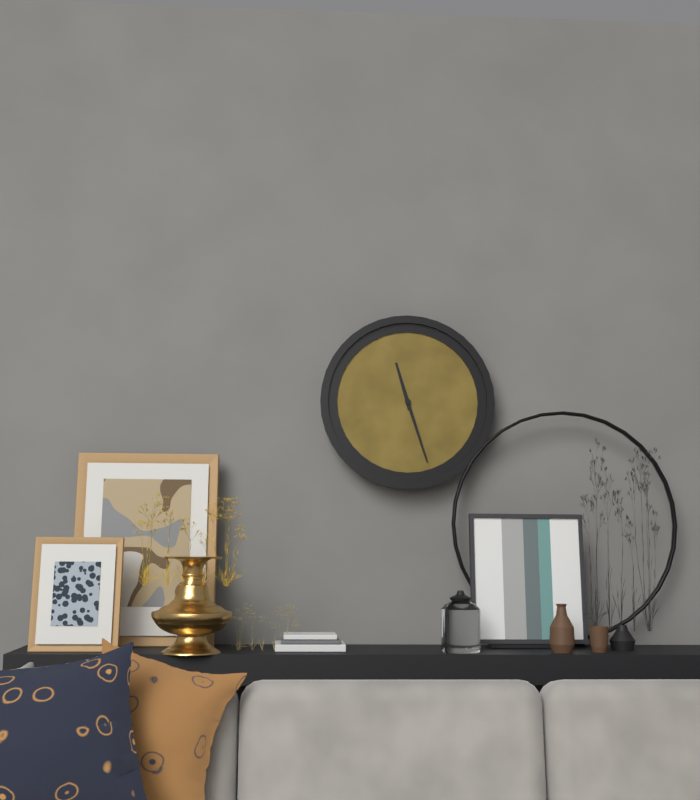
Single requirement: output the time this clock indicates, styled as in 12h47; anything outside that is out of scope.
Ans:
11h27
